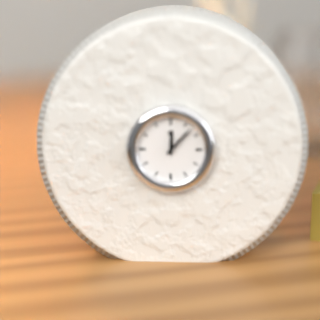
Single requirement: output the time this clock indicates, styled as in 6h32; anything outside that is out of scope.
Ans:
12h07
